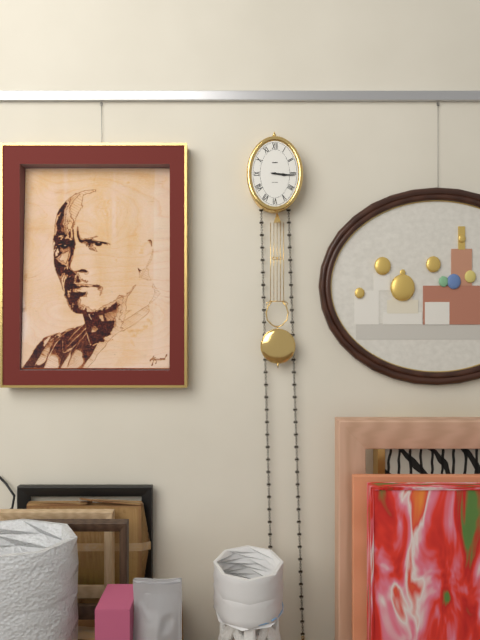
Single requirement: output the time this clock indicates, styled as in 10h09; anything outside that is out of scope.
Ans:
3h16
